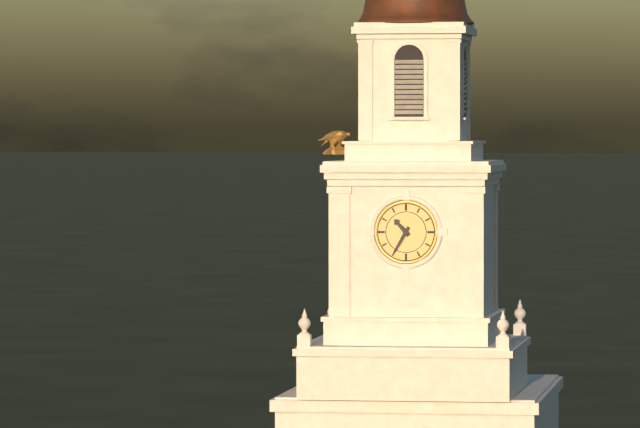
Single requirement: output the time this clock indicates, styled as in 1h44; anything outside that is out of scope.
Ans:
10h35
